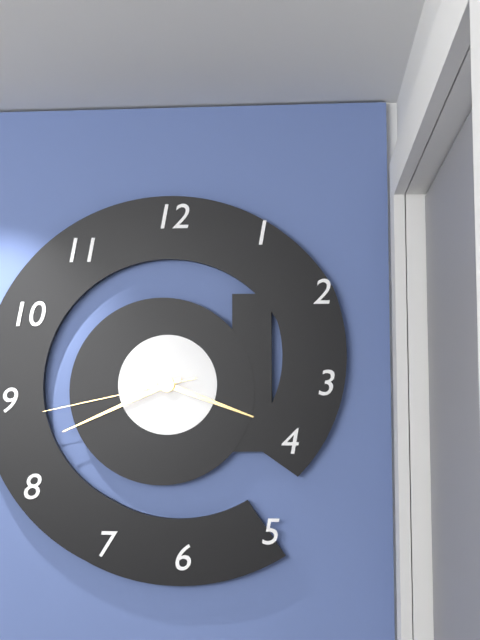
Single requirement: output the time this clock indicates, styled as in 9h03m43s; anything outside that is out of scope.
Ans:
3h41m43s
